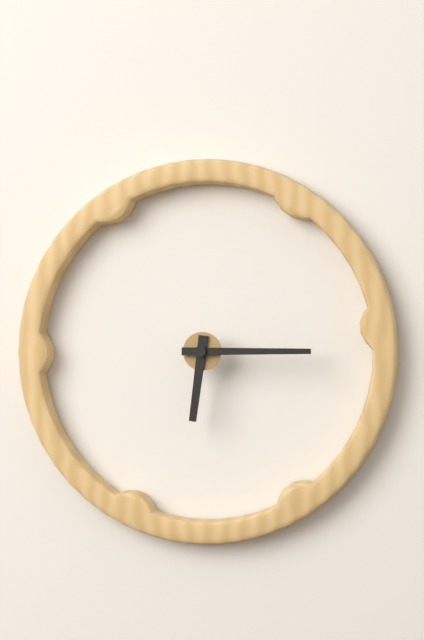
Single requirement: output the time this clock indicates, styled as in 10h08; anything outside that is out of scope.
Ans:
6h15
